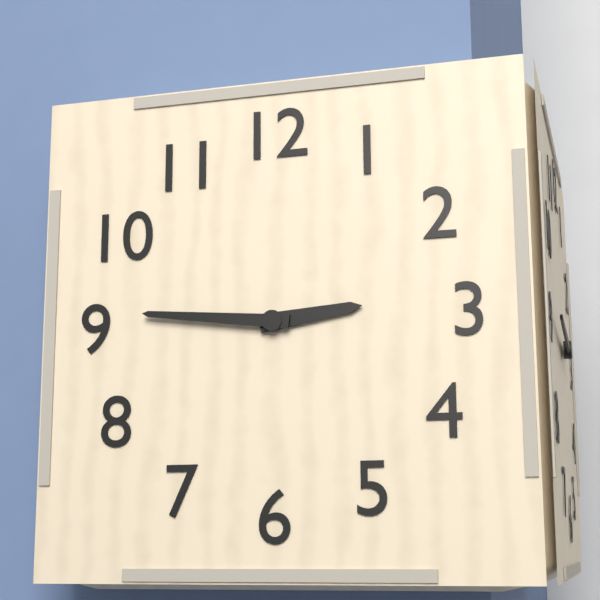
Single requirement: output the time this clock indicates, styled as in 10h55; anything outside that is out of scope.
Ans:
2h46
